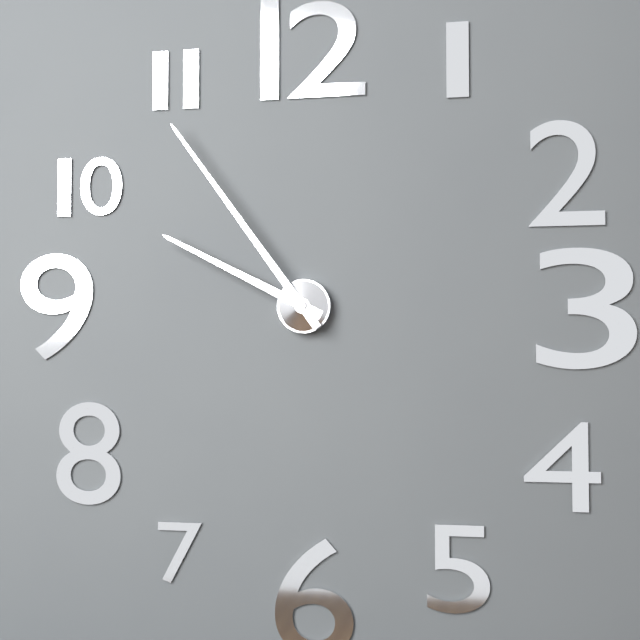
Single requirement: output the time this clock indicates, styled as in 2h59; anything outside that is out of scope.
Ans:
9h54
